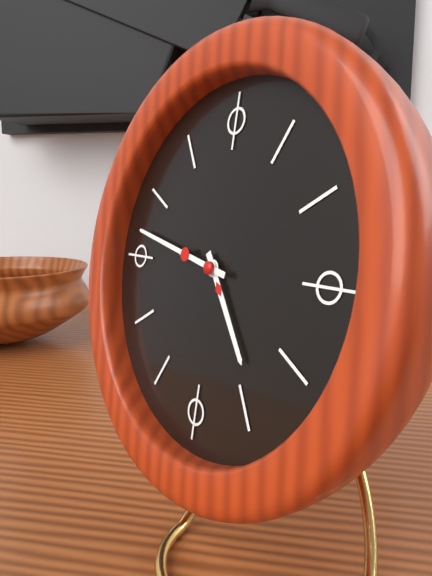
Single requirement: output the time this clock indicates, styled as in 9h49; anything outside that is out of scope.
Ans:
4h47
